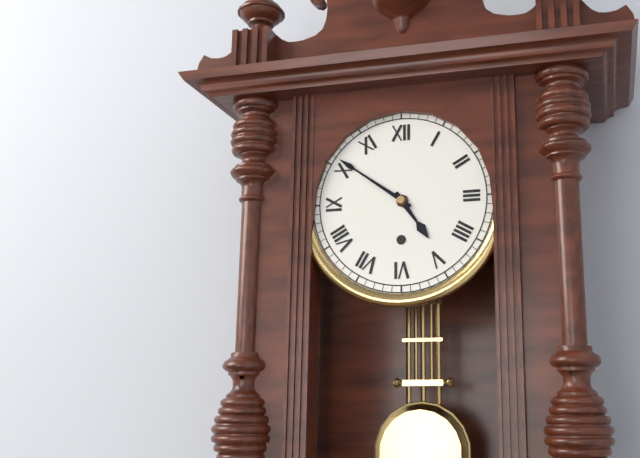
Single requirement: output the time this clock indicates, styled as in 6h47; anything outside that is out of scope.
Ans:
4h51
